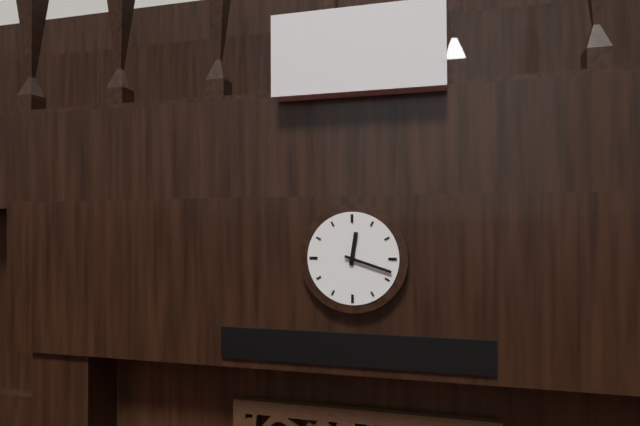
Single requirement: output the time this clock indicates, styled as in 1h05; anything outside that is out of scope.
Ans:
12h18
